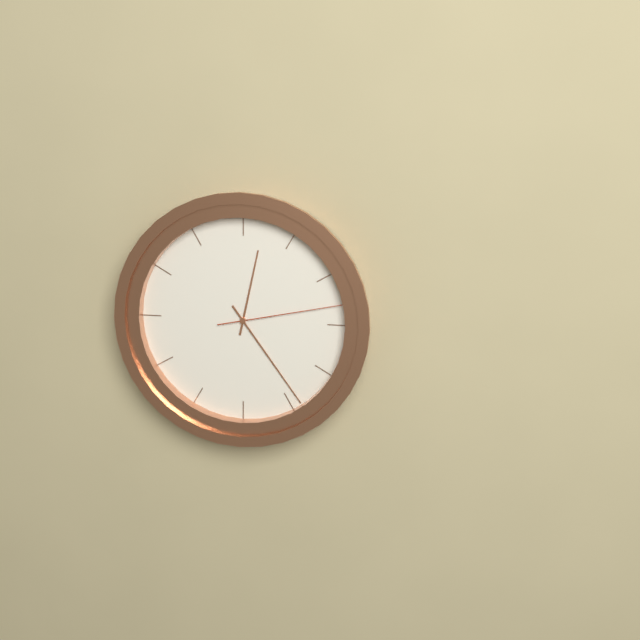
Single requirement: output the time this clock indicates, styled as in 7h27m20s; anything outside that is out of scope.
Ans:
12h24m13s
